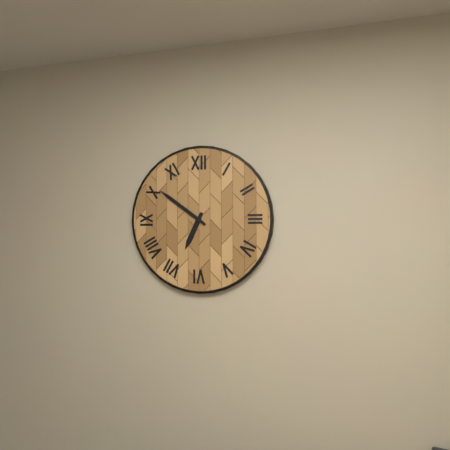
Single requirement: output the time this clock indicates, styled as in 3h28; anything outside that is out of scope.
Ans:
6h51
